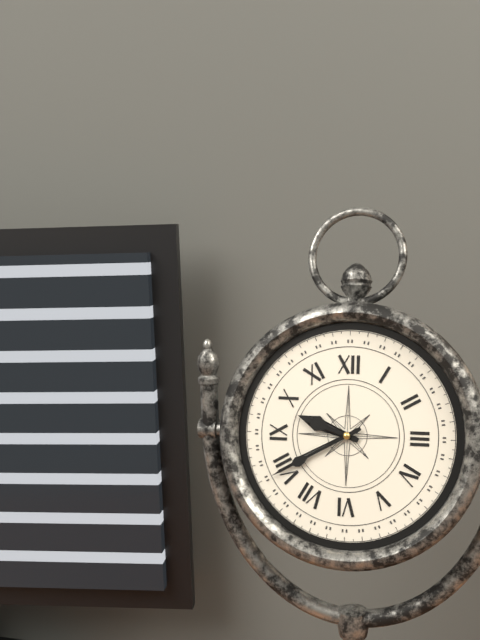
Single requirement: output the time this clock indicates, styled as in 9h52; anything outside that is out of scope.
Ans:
9h40
